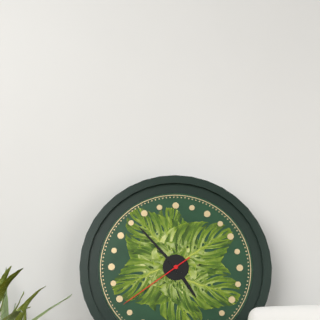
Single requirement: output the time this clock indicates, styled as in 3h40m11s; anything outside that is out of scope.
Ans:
4h53m39s
